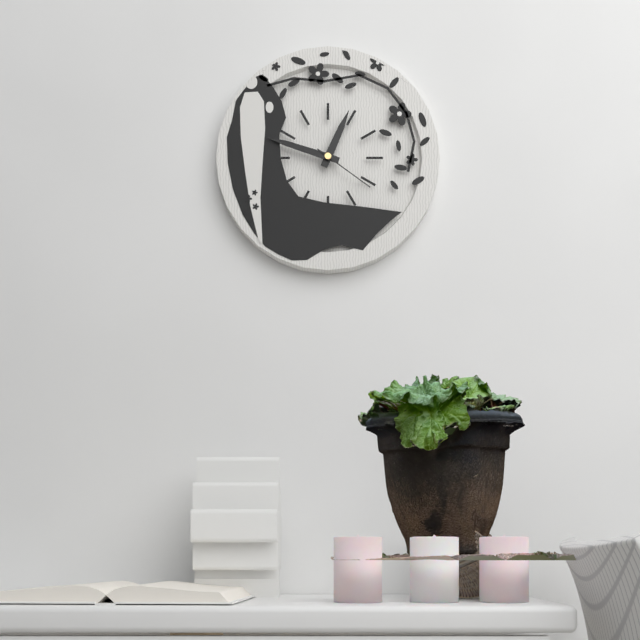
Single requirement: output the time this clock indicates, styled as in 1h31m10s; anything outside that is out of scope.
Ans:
12h48m21s
